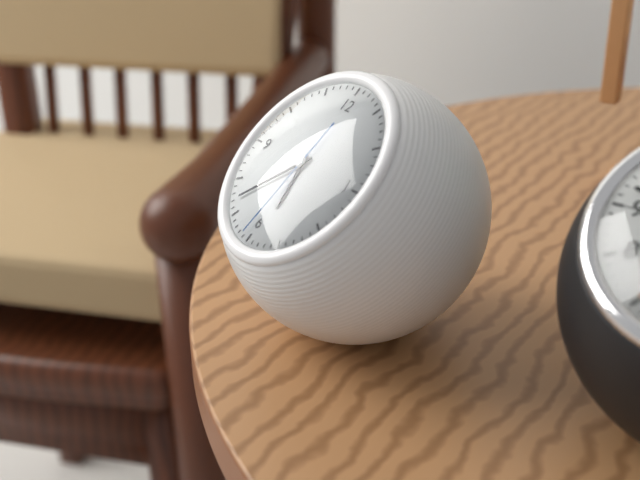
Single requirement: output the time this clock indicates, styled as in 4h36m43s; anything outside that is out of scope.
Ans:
5h37m31s
